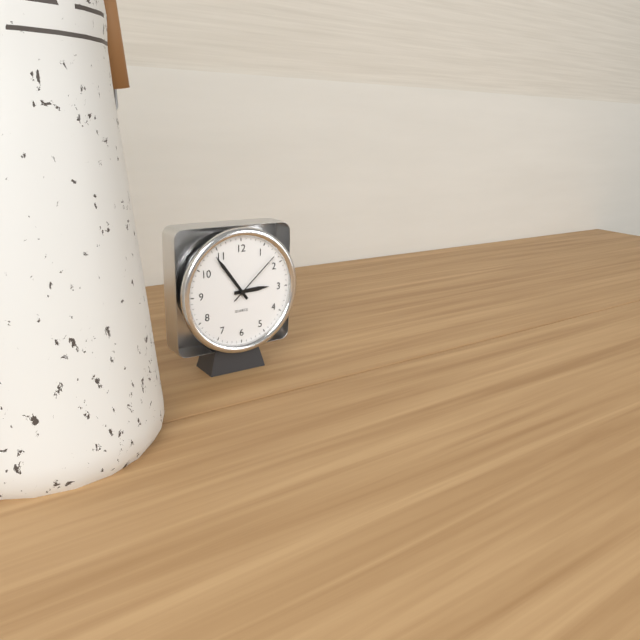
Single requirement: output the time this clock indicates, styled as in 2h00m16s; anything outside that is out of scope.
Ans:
2h54m08s
